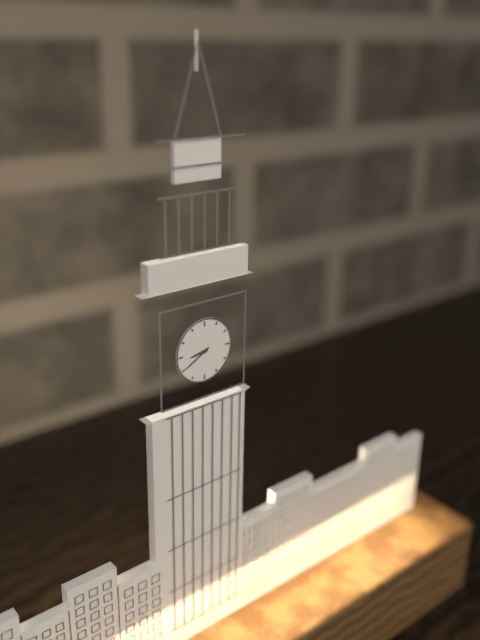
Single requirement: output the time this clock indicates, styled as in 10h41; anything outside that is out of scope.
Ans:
8h40
